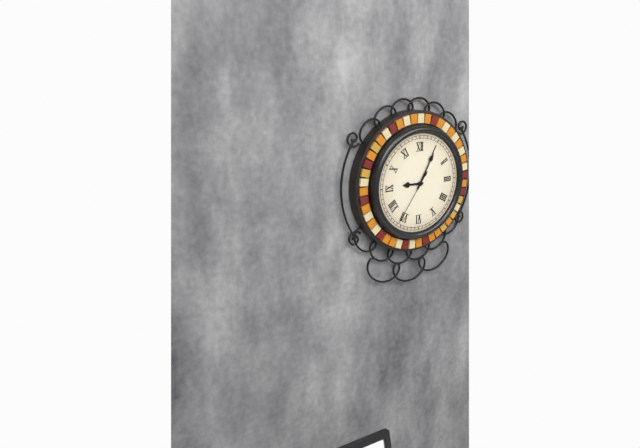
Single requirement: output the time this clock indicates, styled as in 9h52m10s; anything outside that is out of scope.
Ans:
9h05m36s
